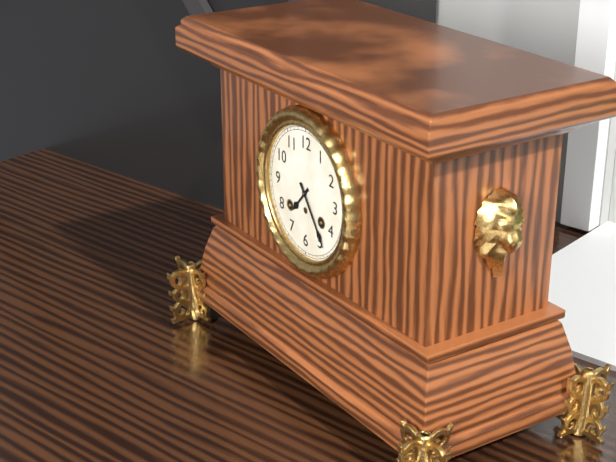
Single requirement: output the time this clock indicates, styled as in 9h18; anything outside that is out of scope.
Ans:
7h24
